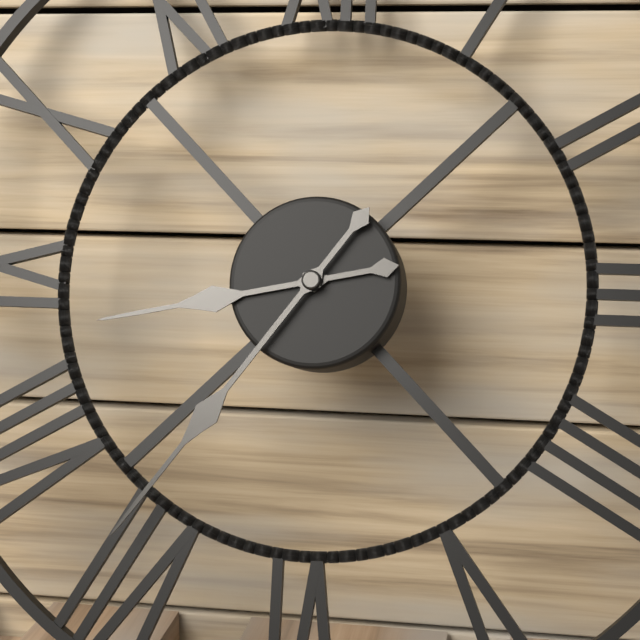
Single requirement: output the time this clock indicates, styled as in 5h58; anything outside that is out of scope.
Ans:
8h36
